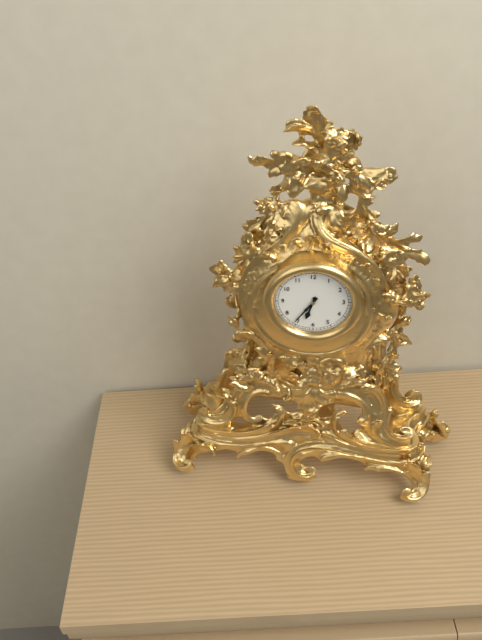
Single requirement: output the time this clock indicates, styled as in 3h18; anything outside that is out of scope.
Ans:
6h36
